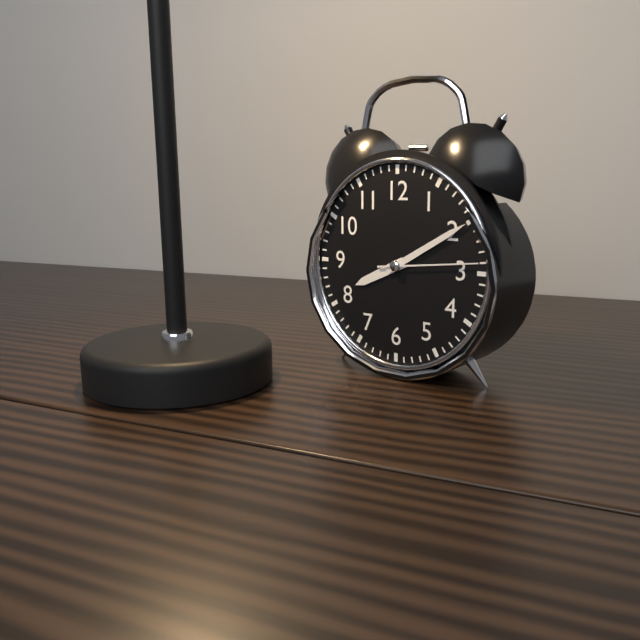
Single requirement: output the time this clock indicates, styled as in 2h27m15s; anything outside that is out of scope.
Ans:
8h10m14s
